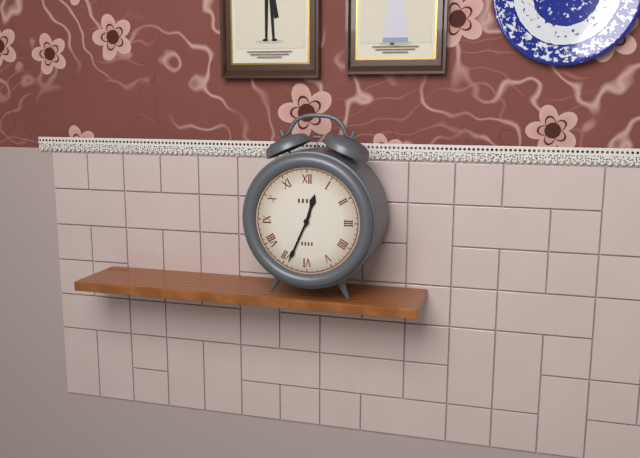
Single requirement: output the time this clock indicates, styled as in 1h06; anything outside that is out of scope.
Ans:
12h34
